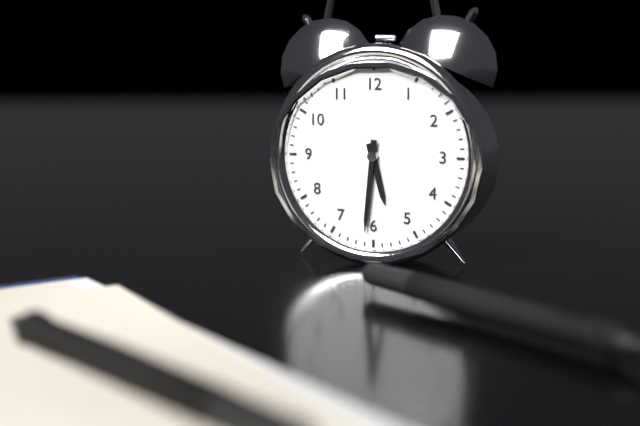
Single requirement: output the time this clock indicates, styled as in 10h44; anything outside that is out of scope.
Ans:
5h31
